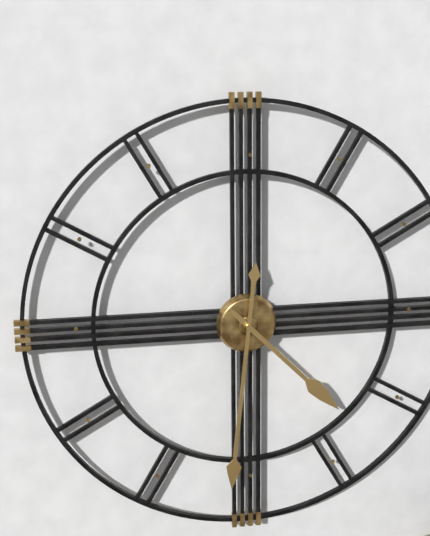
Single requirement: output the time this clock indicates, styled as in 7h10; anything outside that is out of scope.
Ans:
4h31
